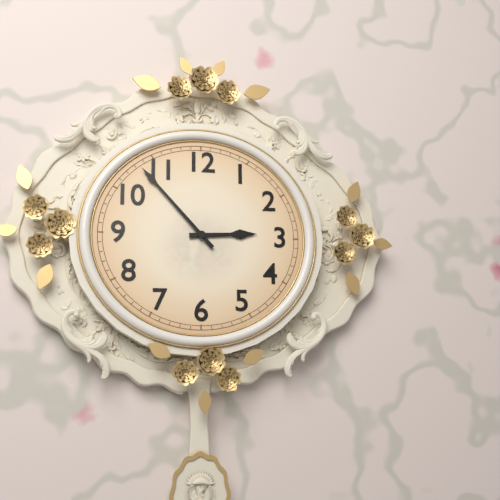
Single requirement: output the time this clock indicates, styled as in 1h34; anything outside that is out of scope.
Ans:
2h53
